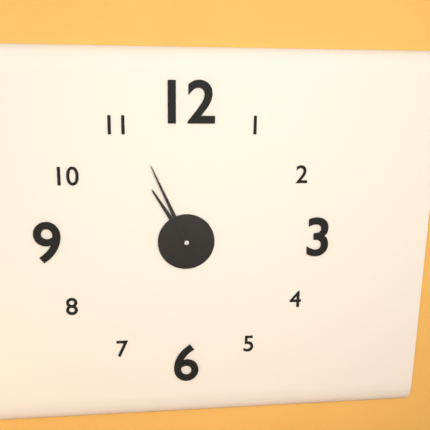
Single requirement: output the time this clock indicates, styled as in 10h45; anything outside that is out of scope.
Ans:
10h56
